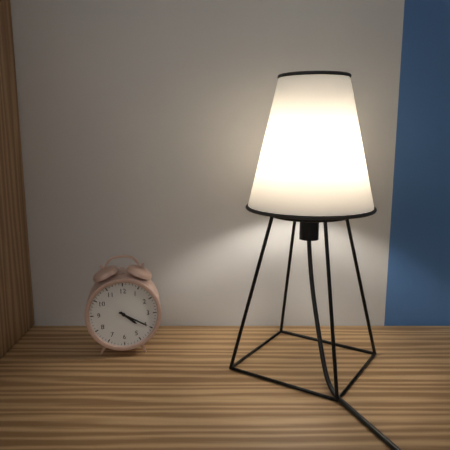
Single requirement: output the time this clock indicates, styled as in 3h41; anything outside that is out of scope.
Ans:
4h20
